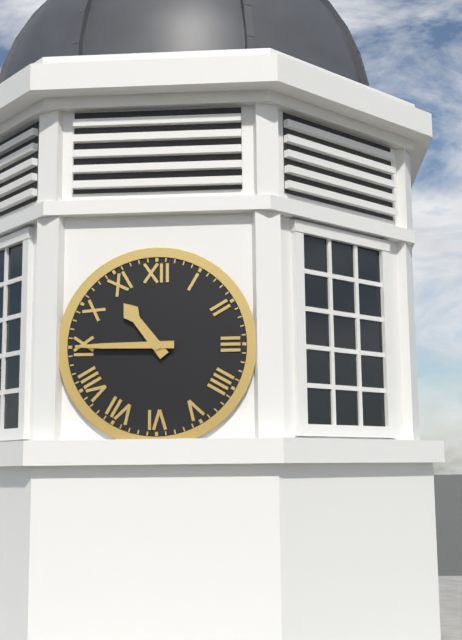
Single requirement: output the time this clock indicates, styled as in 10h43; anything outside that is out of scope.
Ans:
10h45
